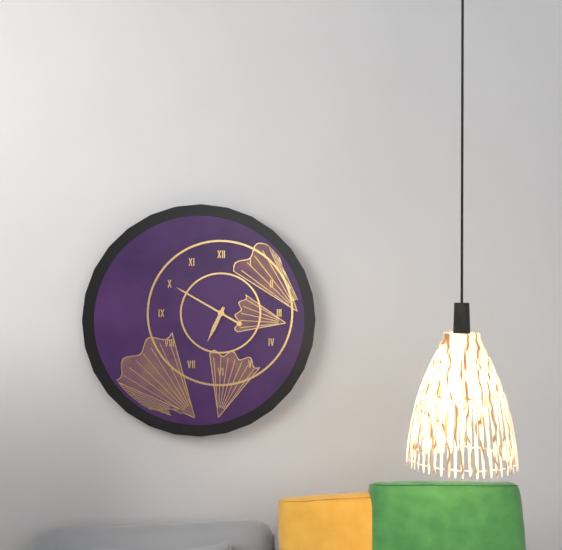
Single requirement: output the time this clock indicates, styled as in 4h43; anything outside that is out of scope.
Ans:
6h50
